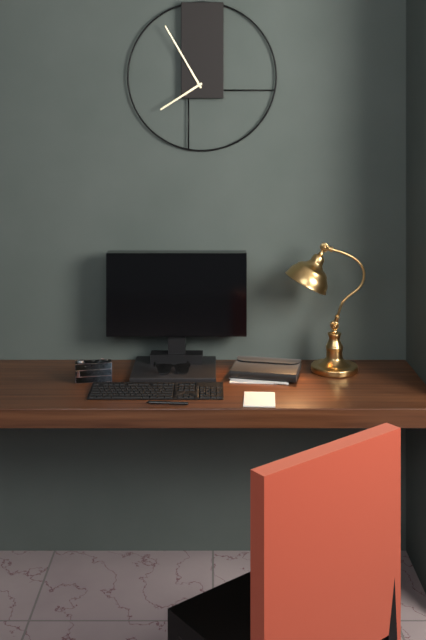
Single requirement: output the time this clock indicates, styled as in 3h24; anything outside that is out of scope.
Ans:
7h55
